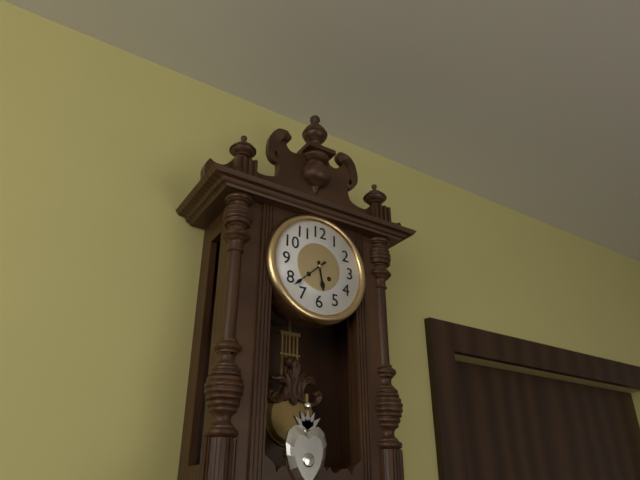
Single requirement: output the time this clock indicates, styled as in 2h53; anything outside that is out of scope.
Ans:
5h38
